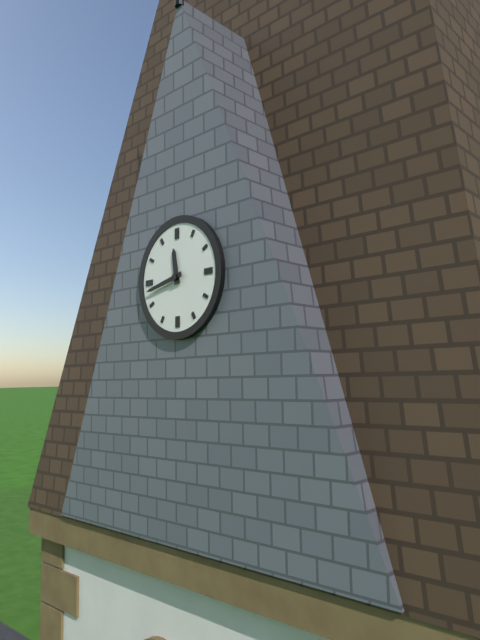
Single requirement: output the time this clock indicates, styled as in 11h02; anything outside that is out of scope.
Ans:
11h43
